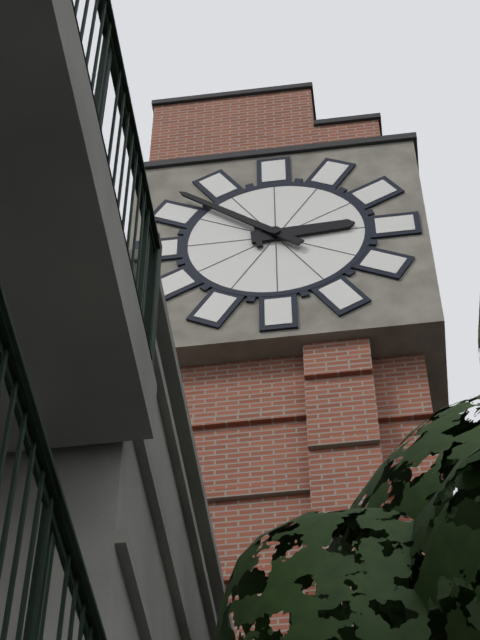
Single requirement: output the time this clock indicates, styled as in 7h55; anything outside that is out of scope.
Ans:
2h52
